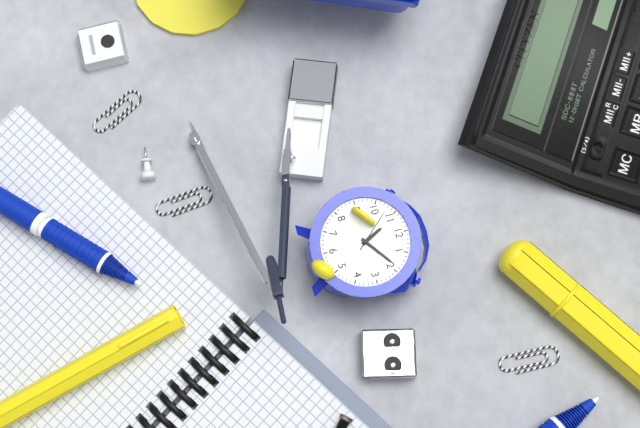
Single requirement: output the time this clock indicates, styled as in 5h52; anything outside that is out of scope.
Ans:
11h09
